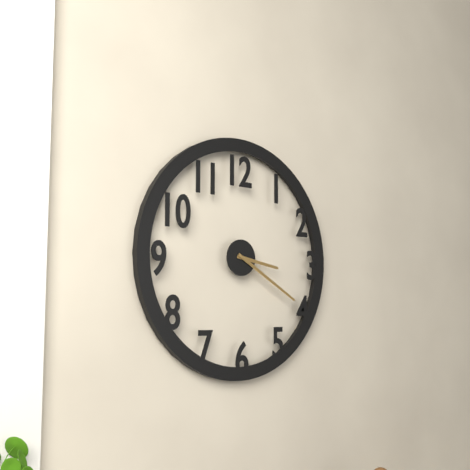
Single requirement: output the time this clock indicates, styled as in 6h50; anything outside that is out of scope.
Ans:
3h20
